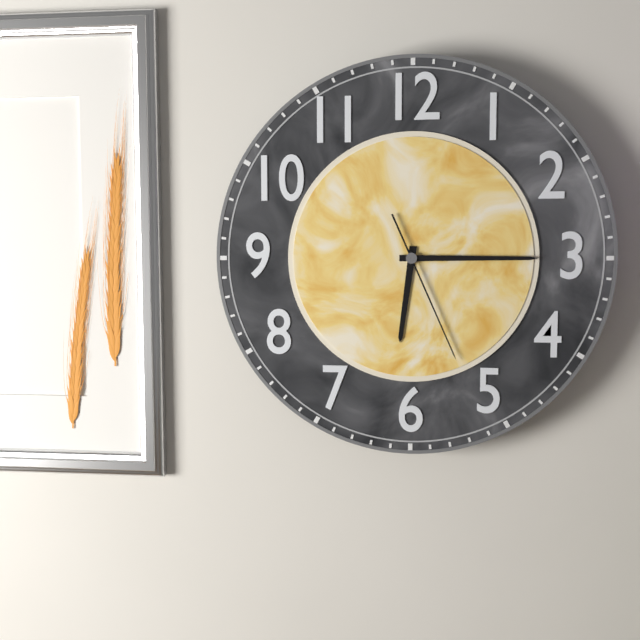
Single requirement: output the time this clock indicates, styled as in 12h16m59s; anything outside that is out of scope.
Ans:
6h15m26s
